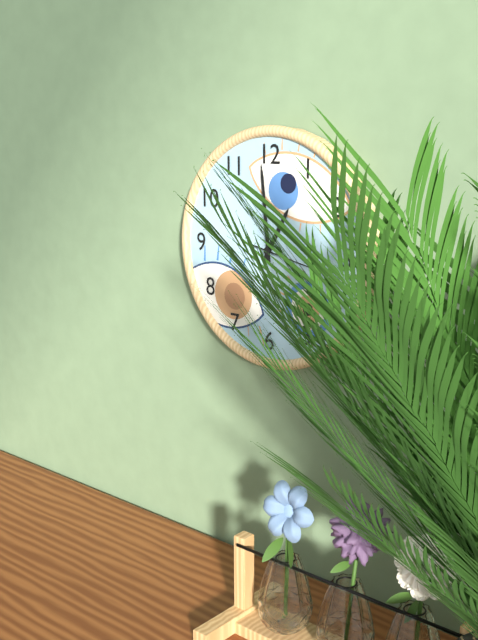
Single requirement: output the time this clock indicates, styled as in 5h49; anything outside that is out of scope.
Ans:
12h59
